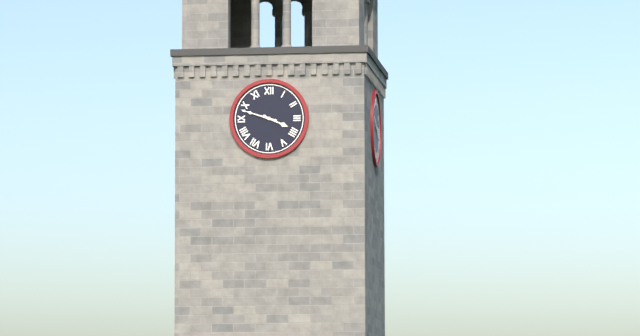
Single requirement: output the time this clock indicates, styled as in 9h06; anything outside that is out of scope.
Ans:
3h48
